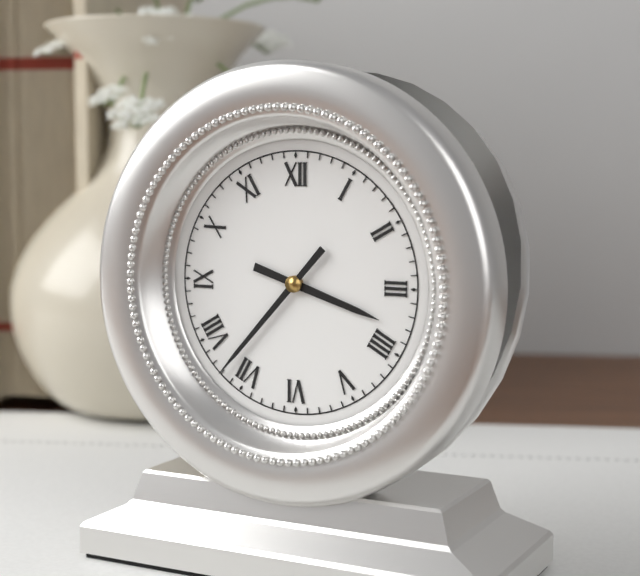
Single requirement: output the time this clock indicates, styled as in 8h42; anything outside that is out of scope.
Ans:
3h37
